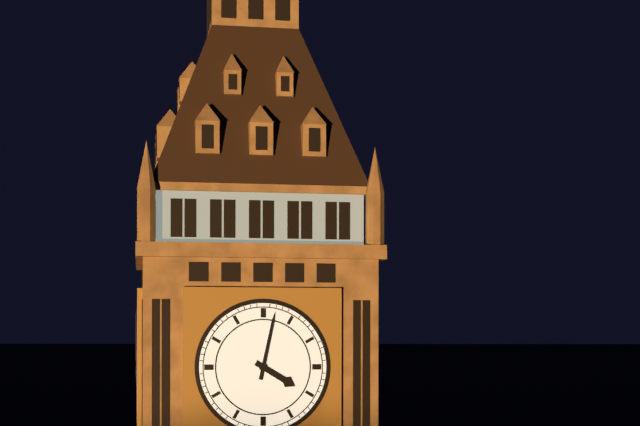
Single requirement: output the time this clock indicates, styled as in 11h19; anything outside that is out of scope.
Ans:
4h02
